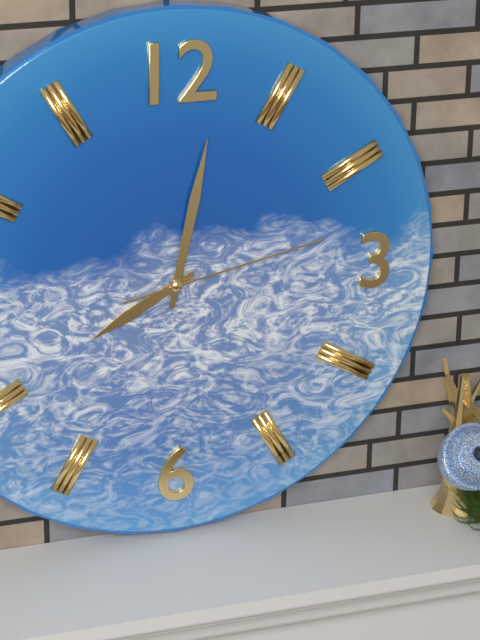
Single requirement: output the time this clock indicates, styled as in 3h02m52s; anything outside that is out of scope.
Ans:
8h02m13s
